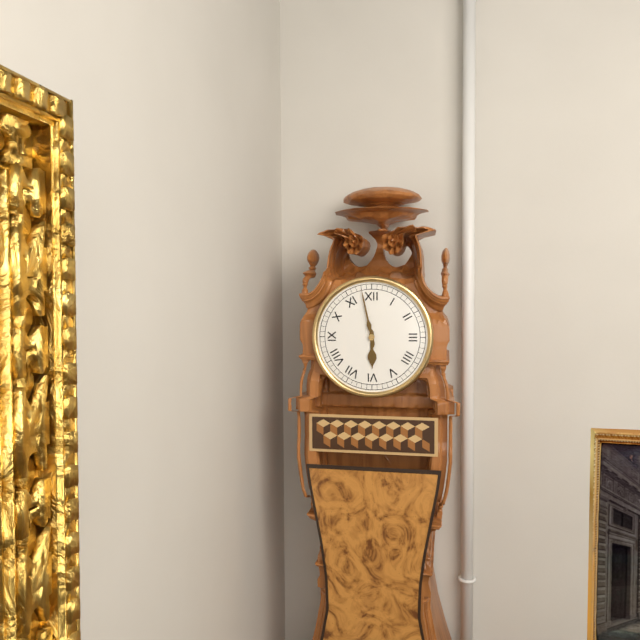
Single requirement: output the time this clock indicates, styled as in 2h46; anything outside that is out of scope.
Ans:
5h58
